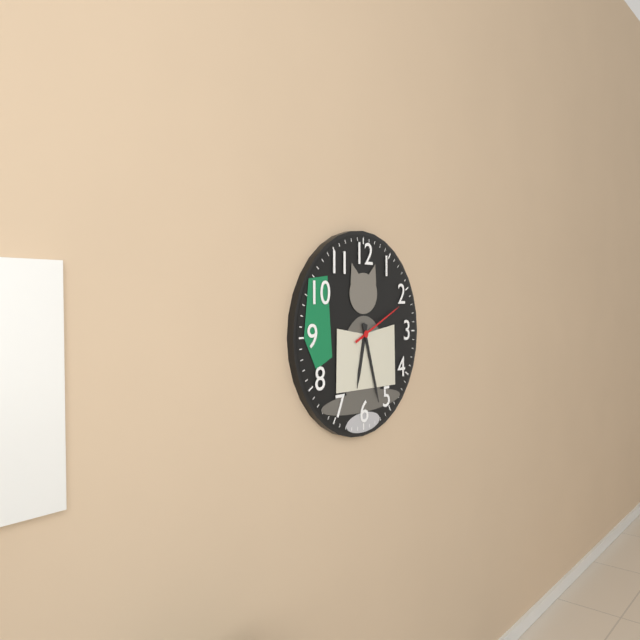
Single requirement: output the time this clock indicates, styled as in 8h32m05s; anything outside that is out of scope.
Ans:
6h27m11s
